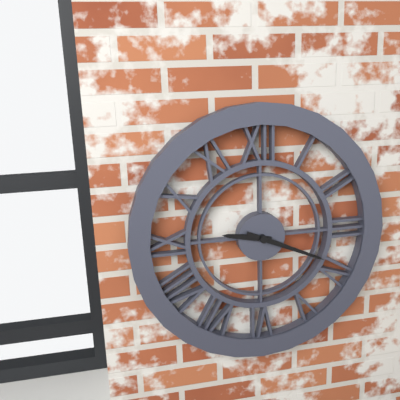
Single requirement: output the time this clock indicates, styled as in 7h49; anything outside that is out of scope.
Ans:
9h19
